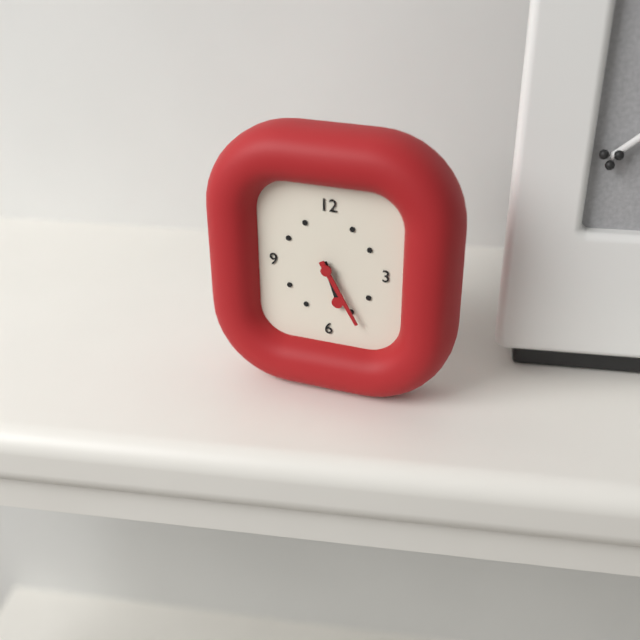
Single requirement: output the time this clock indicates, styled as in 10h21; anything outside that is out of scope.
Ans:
5h25
